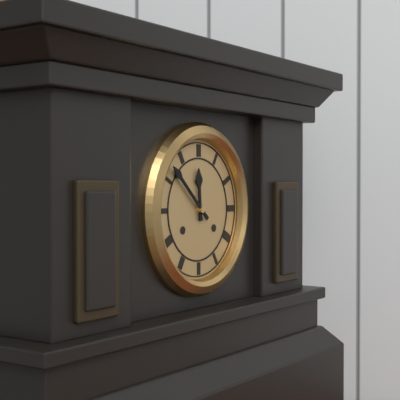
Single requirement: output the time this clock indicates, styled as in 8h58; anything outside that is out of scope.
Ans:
11h52
